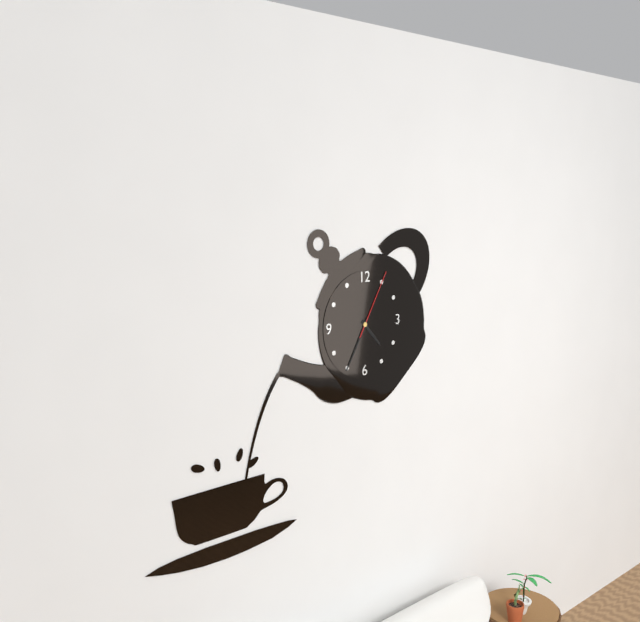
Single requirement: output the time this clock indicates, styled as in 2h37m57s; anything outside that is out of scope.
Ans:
4h35m05s
